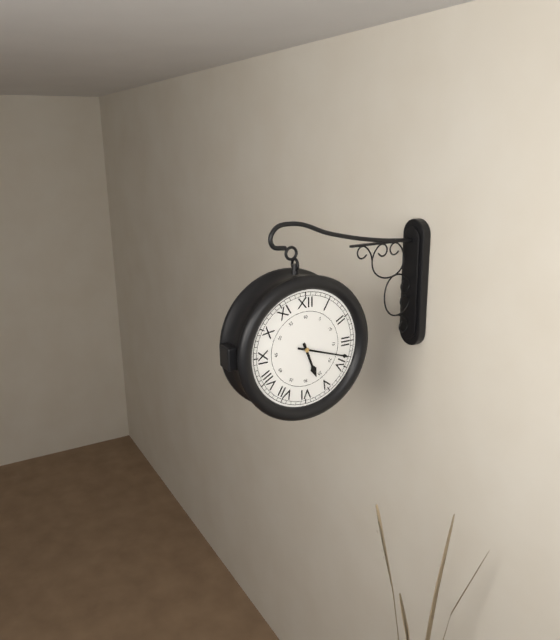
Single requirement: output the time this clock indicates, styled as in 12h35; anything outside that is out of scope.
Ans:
5h18
